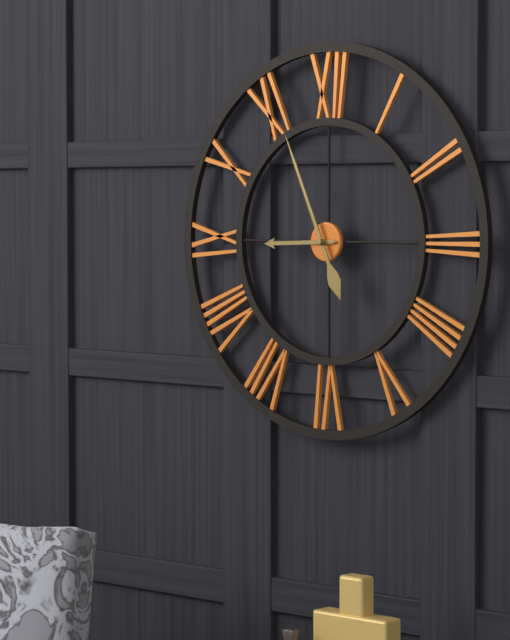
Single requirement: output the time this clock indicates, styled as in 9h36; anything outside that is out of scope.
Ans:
8h56
